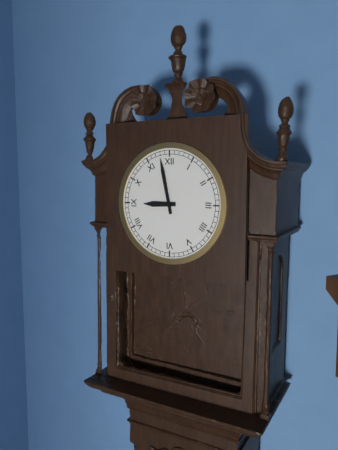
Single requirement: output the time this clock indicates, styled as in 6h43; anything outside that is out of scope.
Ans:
8h58
